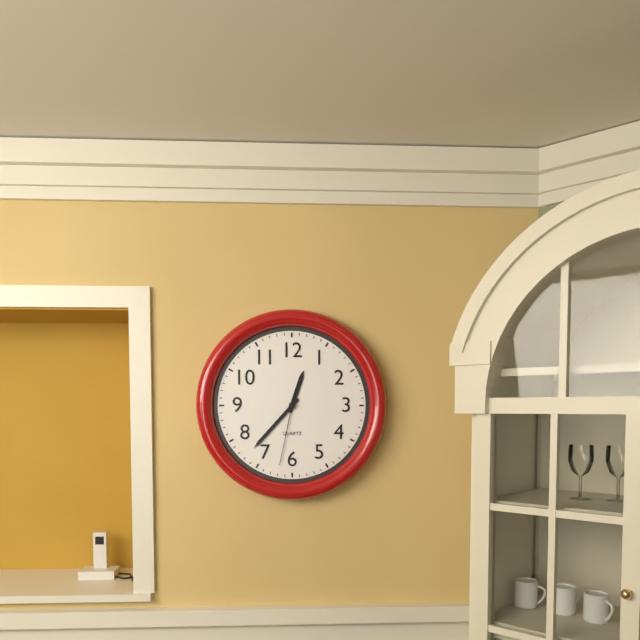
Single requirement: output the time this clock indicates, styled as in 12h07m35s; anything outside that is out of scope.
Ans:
12h37m32s
